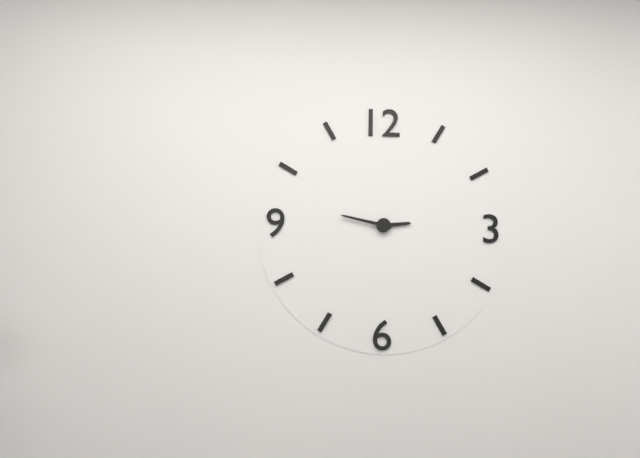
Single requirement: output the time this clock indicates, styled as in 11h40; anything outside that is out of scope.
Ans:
2h47
